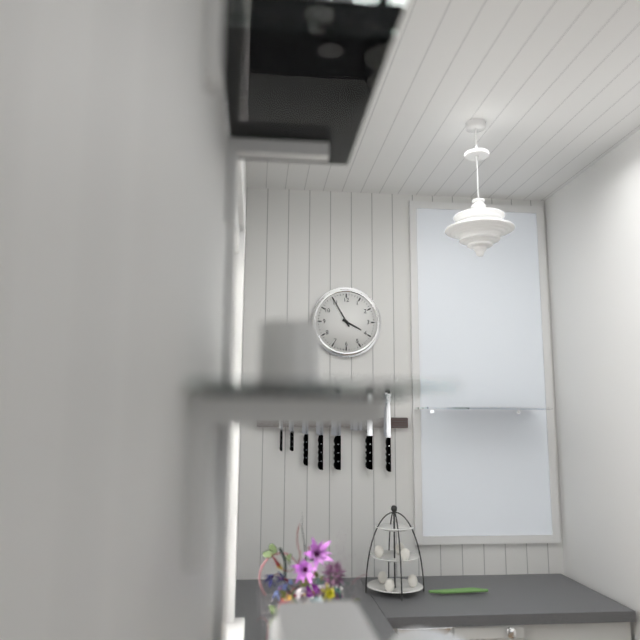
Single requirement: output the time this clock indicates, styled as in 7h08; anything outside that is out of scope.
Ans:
3h55
